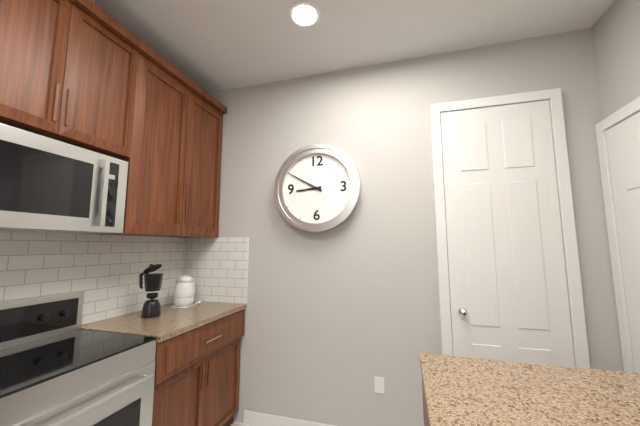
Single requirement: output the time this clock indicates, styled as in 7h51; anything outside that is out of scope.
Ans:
8h50
